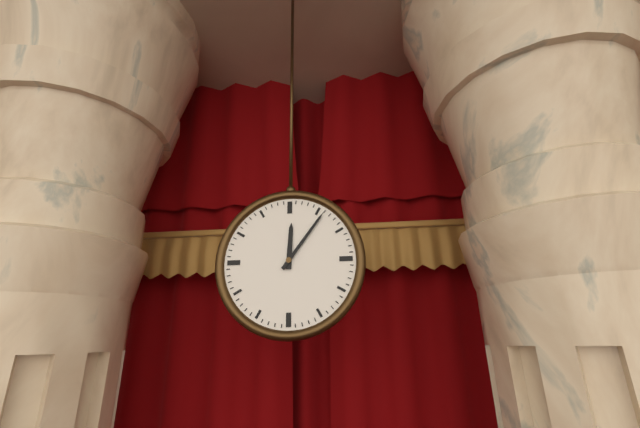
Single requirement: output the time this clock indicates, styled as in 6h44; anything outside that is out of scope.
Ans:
12h06
